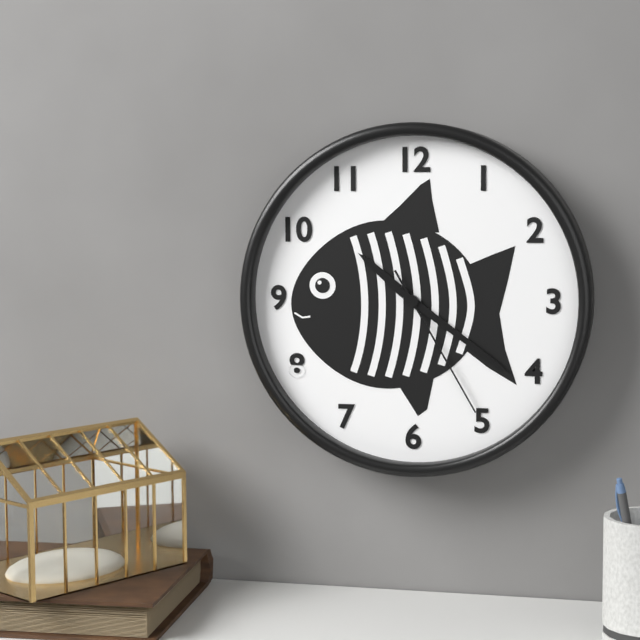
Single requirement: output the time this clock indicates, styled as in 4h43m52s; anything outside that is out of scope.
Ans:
10h21m25s
